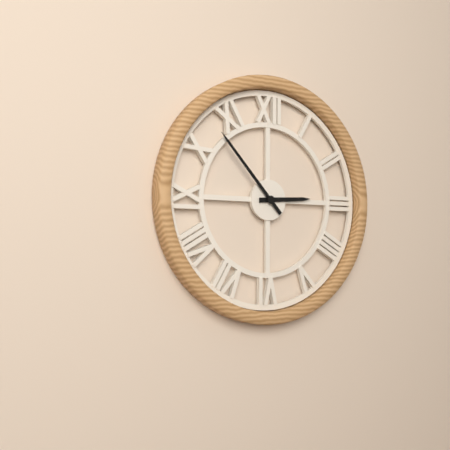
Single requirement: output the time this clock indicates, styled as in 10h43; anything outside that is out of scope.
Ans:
2h53
